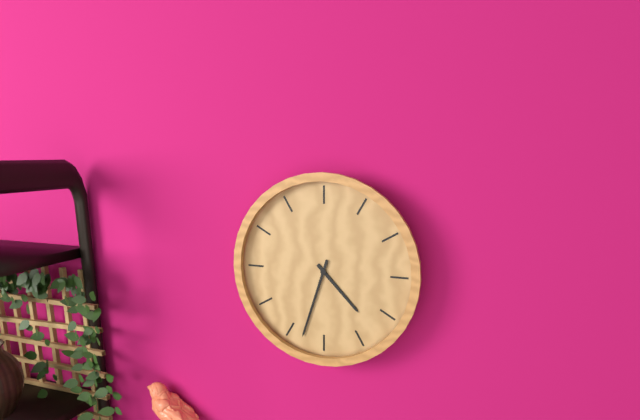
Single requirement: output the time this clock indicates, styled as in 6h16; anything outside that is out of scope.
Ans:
4h33
